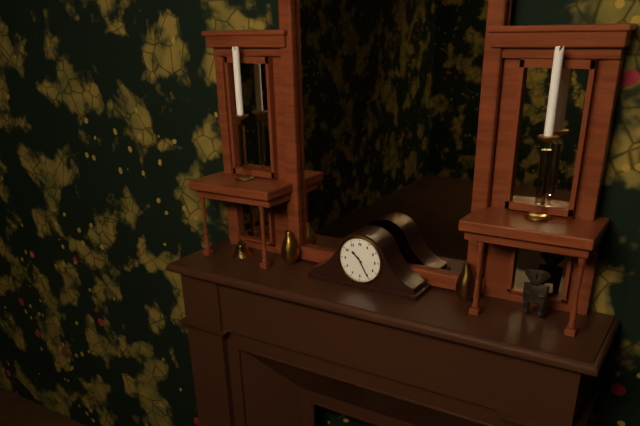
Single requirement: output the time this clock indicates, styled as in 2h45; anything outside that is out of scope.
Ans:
10h25
